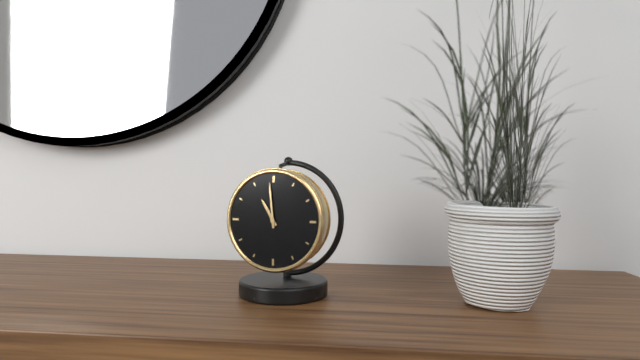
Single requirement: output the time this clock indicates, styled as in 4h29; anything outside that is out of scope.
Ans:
10h59
